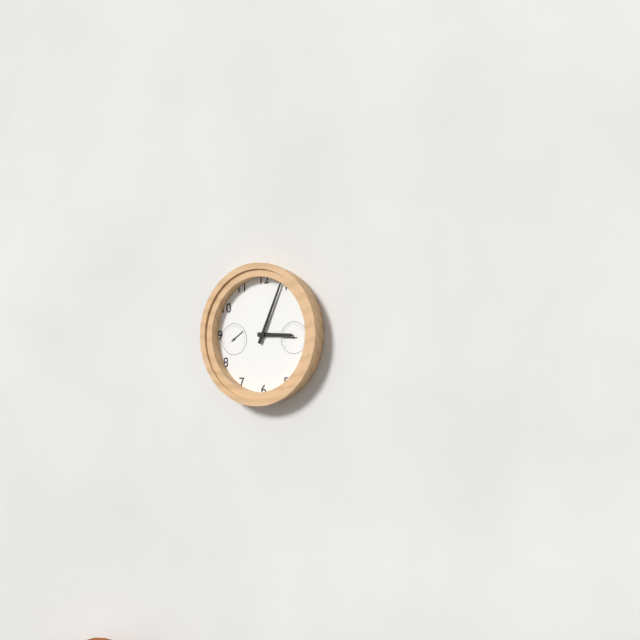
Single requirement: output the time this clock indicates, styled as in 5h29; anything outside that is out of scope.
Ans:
3h04
